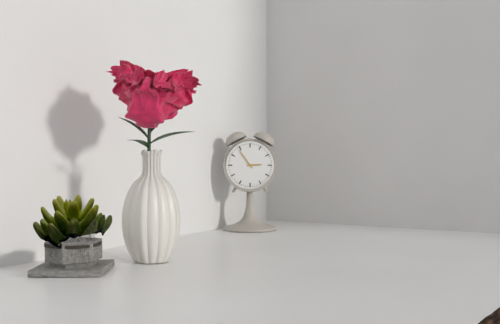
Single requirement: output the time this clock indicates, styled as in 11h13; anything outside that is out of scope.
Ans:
2h54
